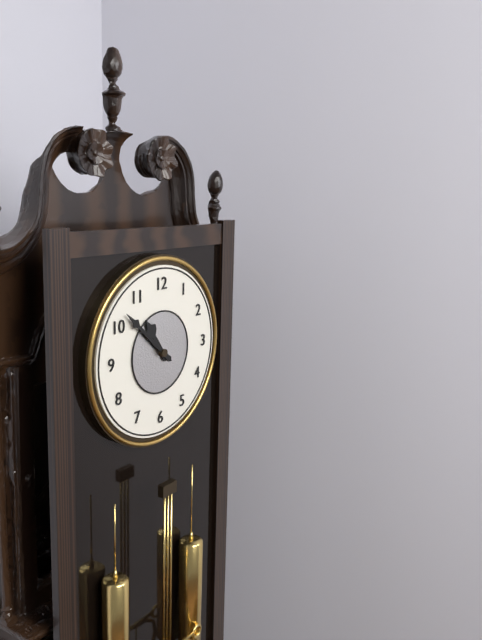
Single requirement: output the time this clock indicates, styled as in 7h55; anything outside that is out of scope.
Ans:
10h52
